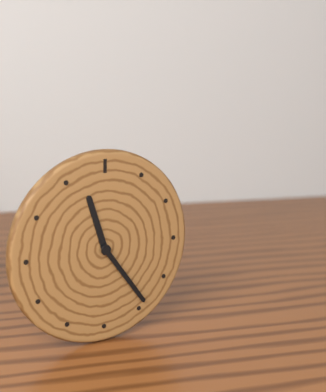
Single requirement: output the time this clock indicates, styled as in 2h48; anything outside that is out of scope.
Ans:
11h24
